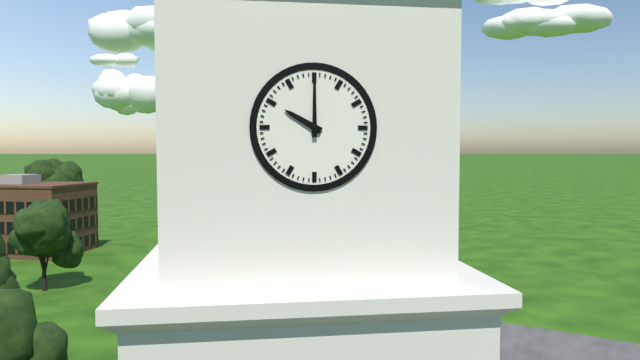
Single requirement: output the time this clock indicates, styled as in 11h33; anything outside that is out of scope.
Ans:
10h00
